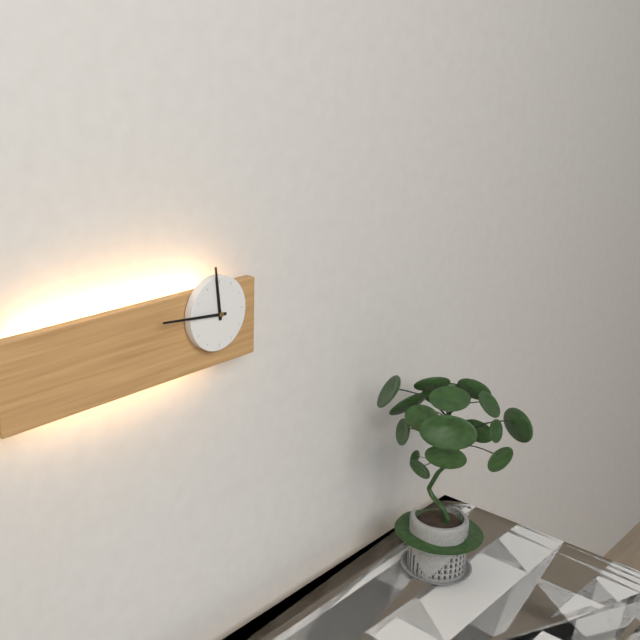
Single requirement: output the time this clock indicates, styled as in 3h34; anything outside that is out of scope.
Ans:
11h46
